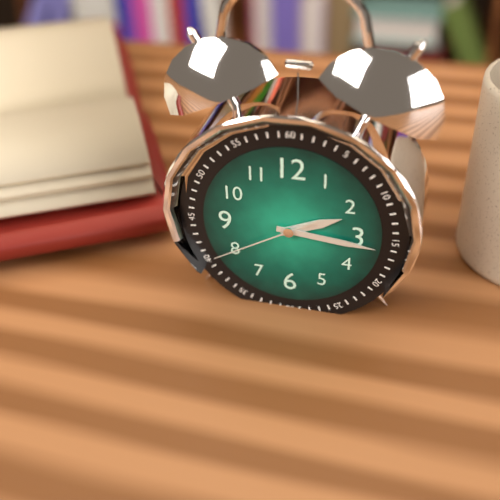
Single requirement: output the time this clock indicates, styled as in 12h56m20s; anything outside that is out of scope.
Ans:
2h16m40s
